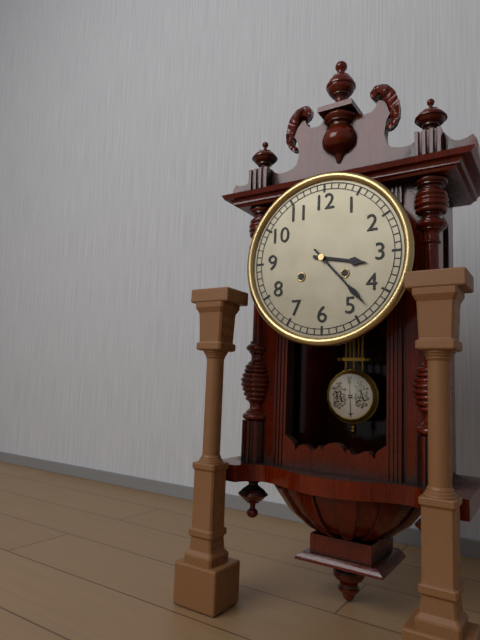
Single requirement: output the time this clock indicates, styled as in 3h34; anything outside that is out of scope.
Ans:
3h23
